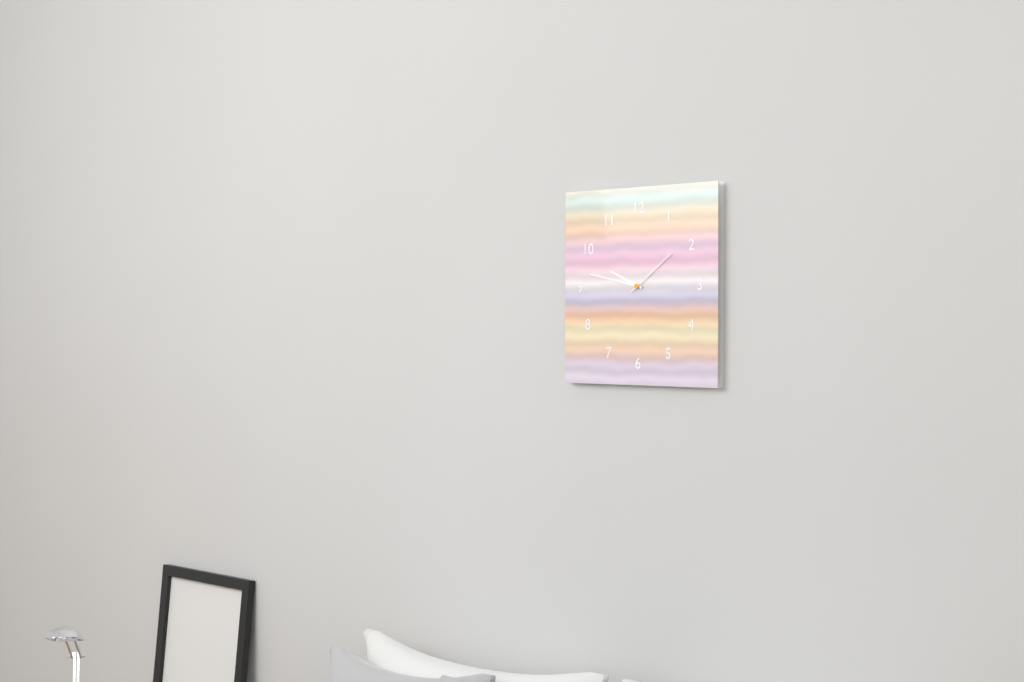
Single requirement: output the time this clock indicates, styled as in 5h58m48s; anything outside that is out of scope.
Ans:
9h47m09s
